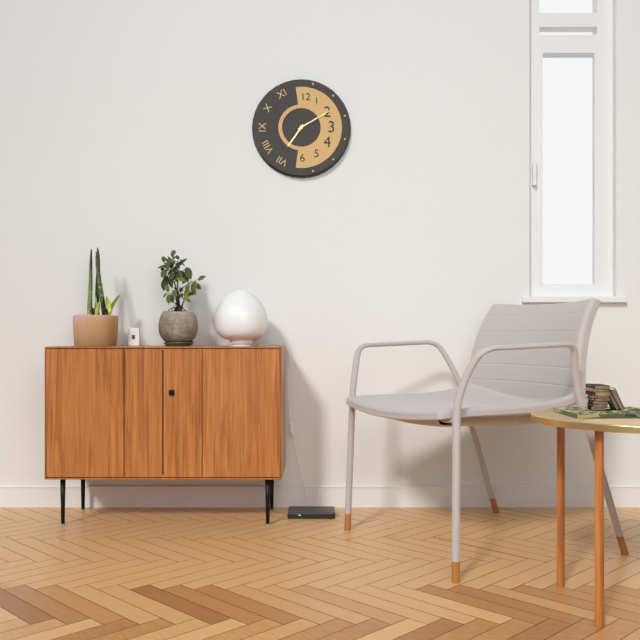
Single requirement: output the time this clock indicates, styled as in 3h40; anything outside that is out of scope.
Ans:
7h10
